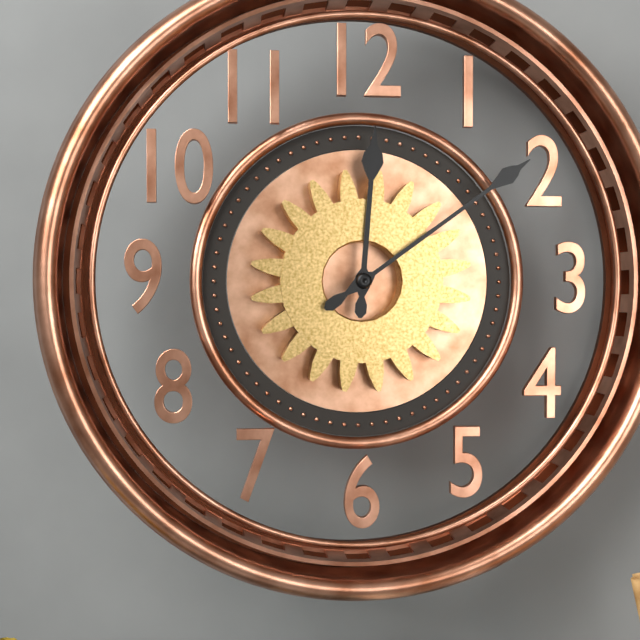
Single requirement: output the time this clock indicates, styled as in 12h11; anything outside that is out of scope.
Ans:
12h09
